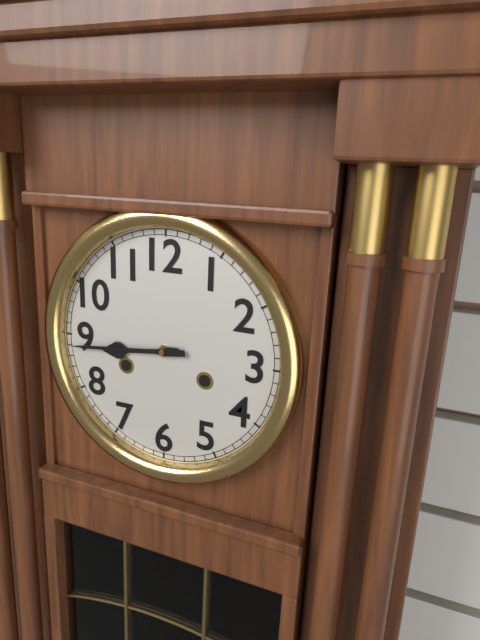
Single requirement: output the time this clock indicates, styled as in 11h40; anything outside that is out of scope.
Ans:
8h44
